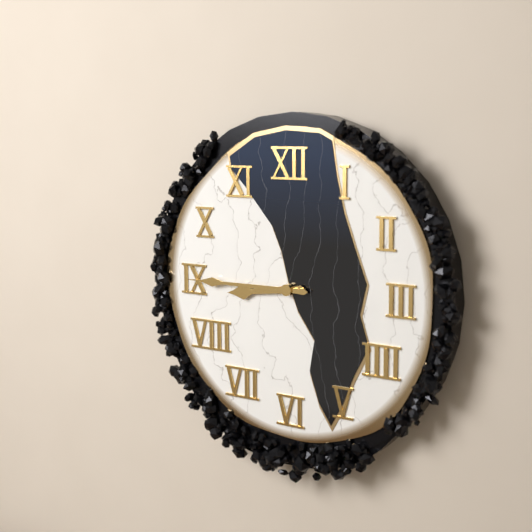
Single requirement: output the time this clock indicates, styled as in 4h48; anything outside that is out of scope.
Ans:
8h45
